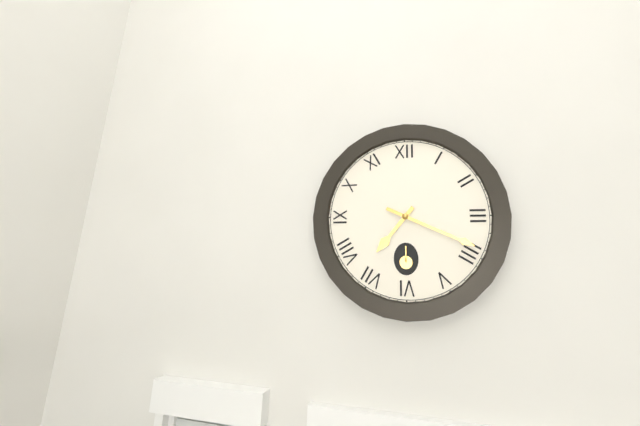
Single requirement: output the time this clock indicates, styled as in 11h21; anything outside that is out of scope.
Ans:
7h19
